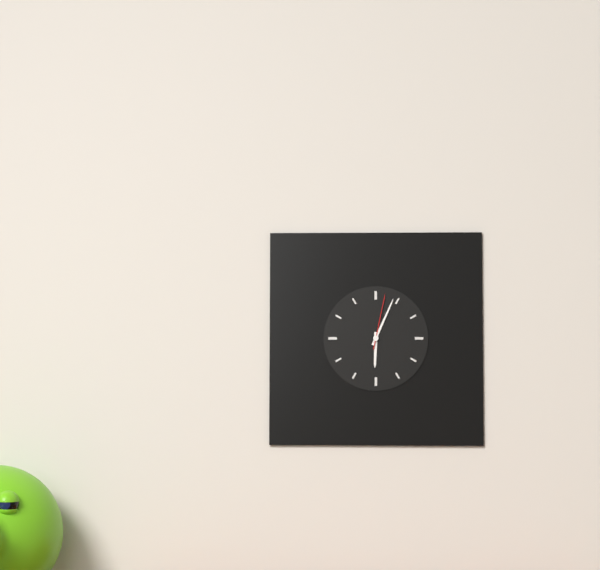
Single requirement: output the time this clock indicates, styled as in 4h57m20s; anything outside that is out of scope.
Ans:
6h04m02s
